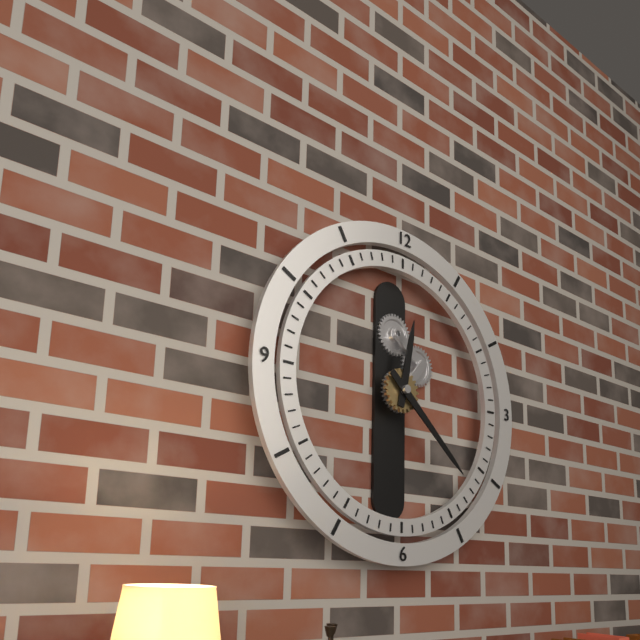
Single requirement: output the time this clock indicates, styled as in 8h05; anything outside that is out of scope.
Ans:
12h22
